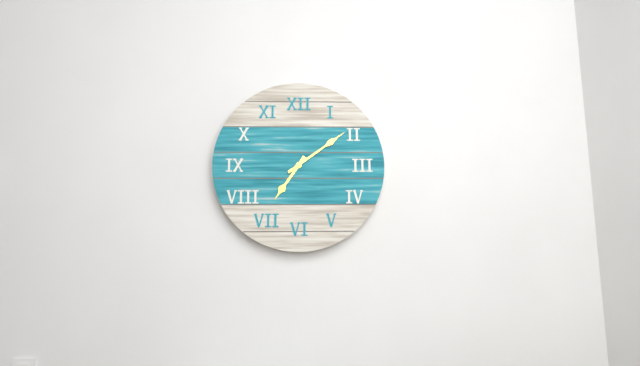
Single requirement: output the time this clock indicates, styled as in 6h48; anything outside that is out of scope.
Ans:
7h09
